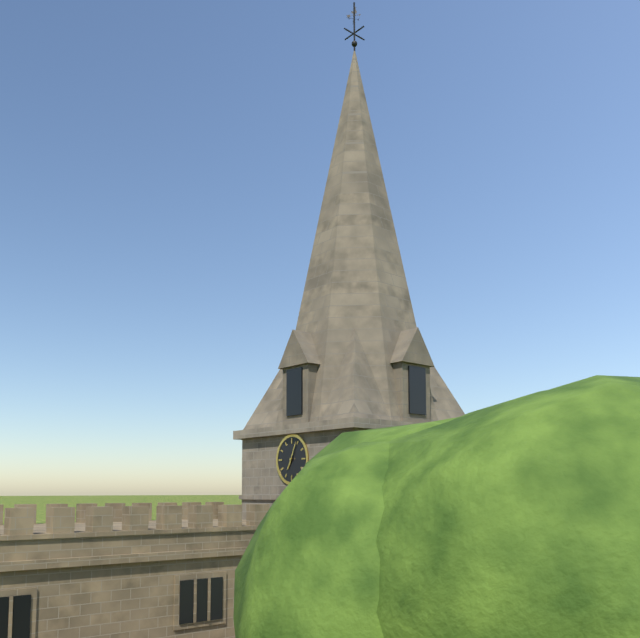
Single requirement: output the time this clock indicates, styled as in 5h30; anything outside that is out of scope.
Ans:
7h04
